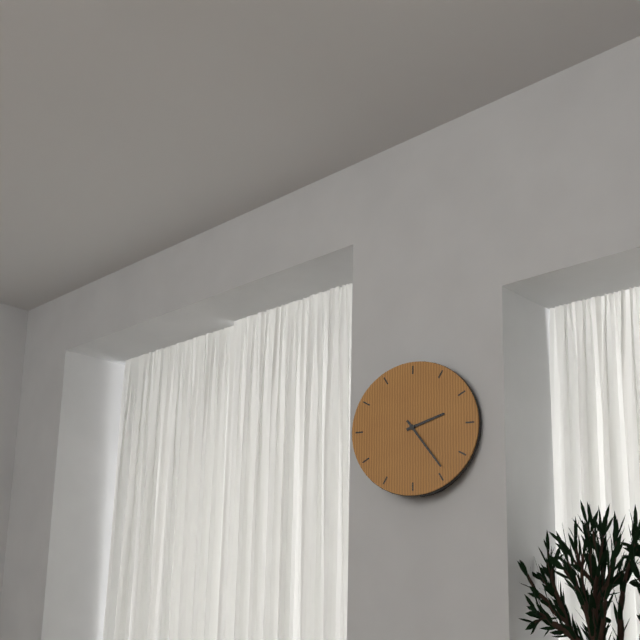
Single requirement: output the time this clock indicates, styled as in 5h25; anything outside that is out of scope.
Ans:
2h24
